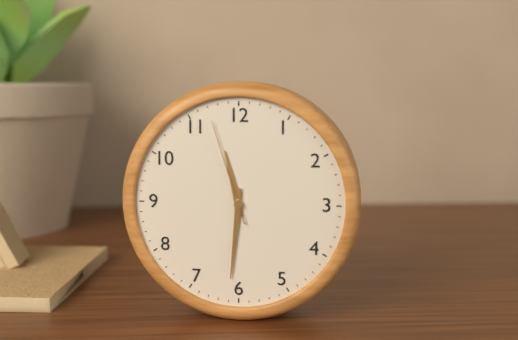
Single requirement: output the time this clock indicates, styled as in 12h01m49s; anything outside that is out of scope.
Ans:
11h31m57s
